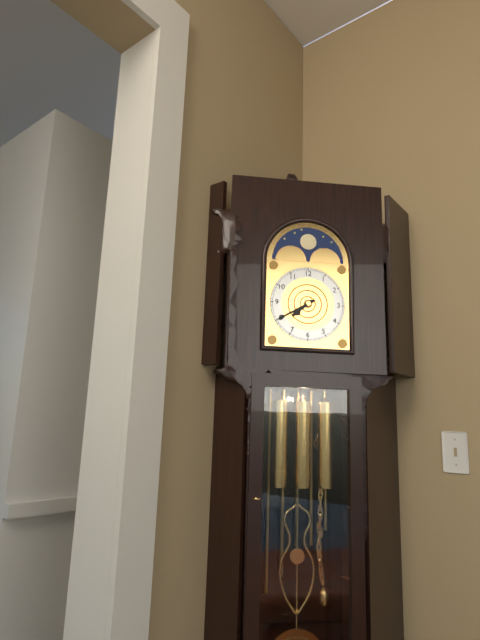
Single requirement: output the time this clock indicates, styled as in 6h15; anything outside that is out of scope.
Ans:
7h40
